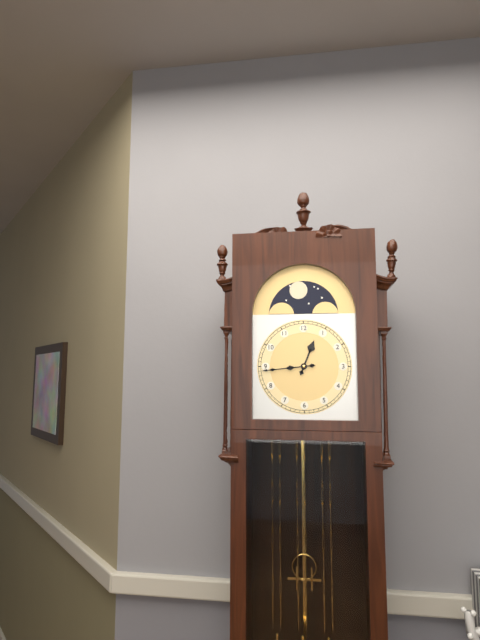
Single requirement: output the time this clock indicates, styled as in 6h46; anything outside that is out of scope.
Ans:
12h44
